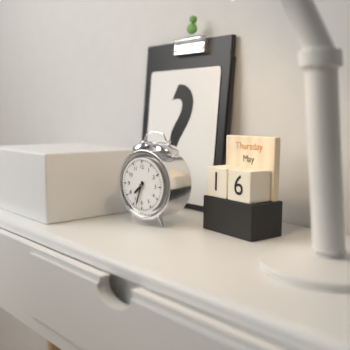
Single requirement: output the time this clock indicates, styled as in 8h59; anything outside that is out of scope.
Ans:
7h33
